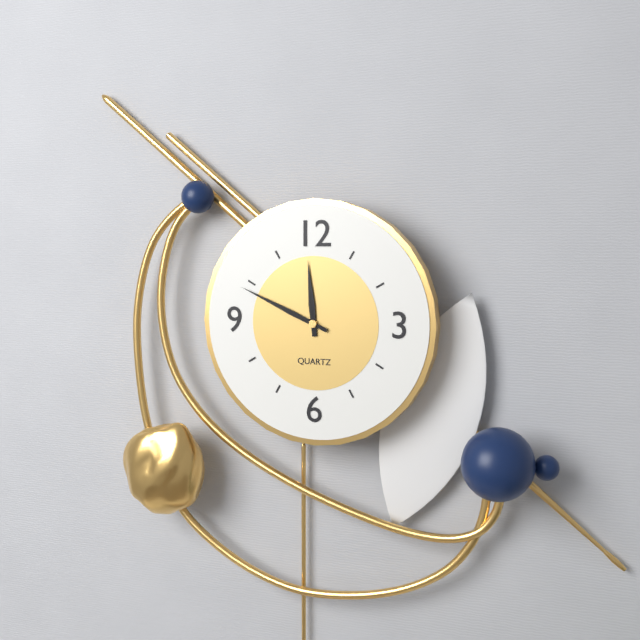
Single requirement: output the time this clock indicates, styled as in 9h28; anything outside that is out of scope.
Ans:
11h49
